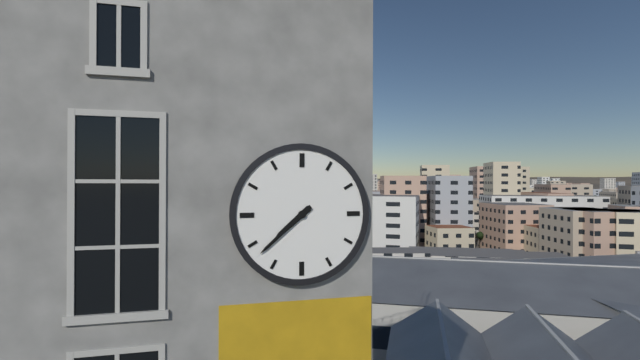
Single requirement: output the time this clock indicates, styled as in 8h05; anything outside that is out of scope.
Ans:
7h38
